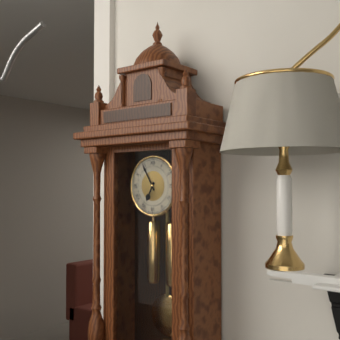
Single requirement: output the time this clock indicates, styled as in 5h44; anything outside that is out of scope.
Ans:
6h55
